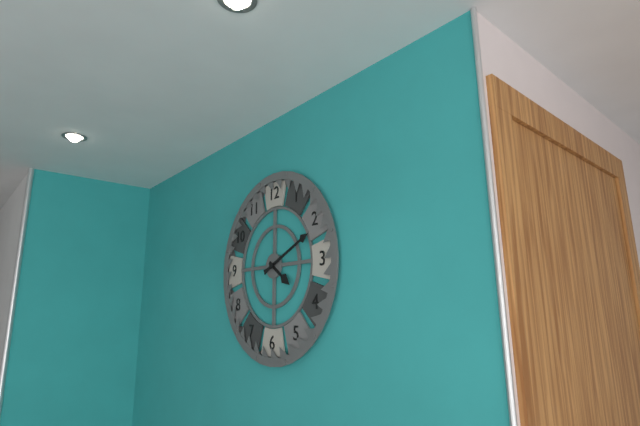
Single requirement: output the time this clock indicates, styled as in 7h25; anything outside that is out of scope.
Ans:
4h11
